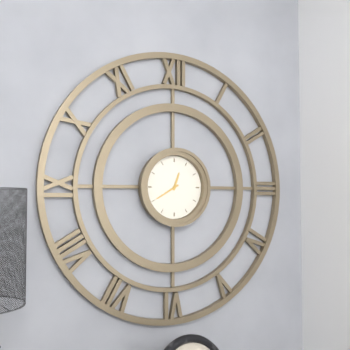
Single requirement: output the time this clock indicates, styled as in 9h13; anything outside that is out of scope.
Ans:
12h40
